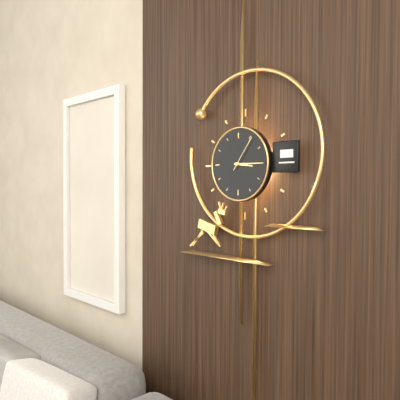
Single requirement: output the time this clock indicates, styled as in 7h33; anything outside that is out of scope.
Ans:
3h15
